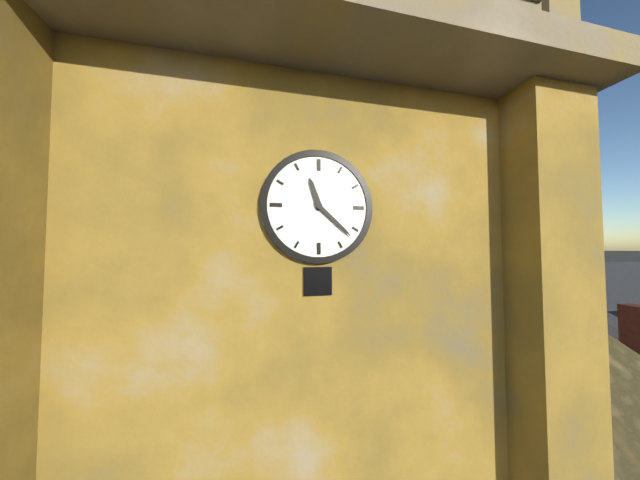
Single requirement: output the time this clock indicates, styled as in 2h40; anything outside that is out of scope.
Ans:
11h22
